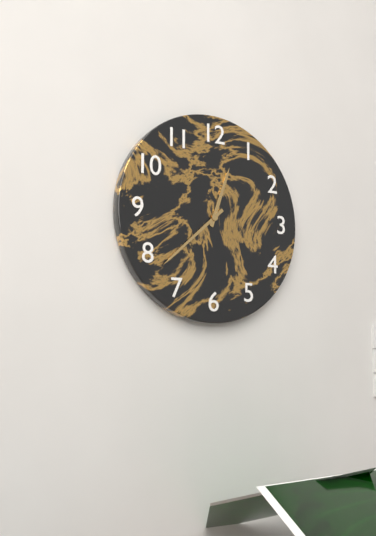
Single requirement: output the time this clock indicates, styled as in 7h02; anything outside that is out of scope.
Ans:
12h38
